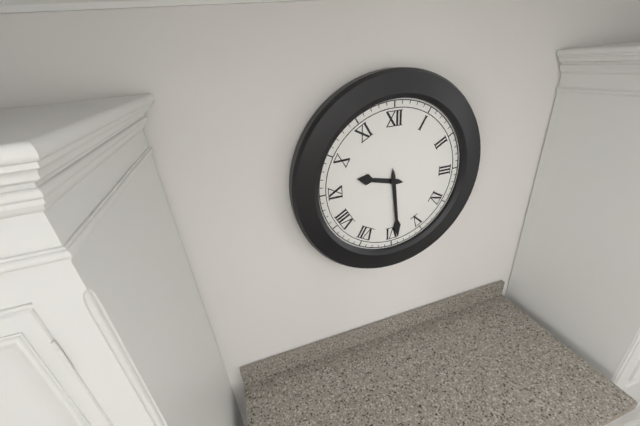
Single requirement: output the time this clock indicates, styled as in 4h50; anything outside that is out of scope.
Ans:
9h29
